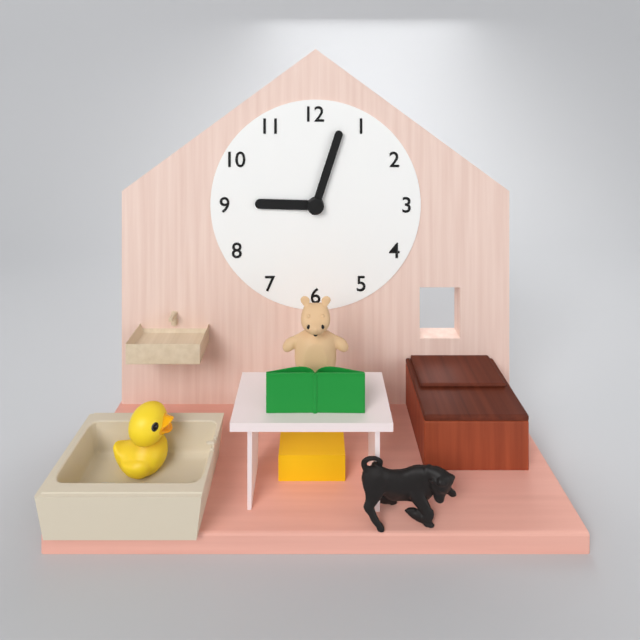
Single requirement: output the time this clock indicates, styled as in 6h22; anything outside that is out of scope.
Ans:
9h03
